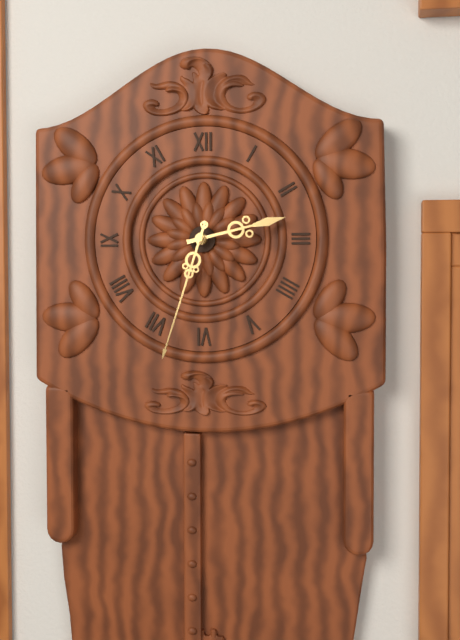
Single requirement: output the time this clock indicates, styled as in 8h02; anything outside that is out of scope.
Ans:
2h33
